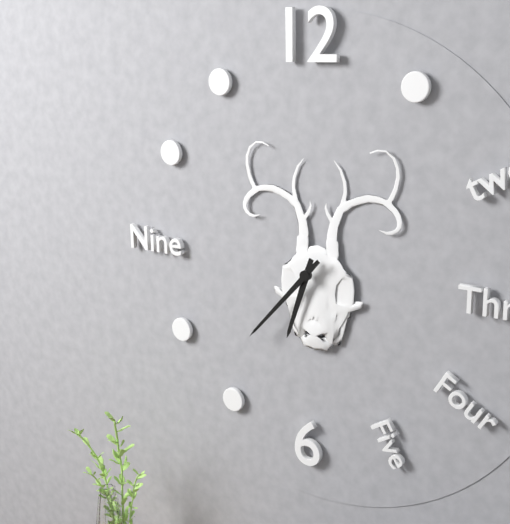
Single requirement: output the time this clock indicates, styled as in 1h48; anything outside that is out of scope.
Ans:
6h37
